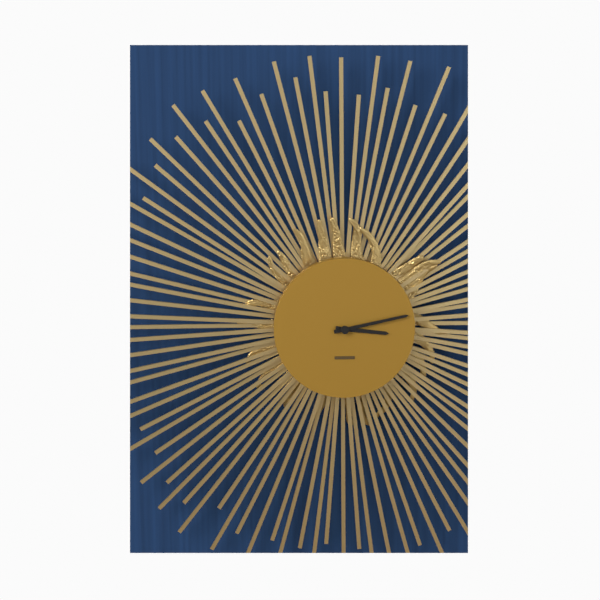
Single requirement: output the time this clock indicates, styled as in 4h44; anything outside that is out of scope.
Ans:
3h13
